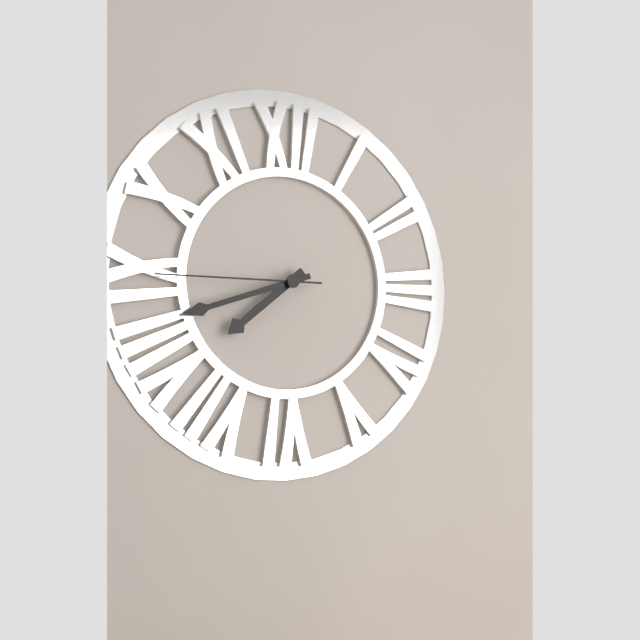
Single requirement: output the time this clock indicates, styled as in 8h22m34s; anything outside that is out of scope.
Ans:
7h42m45s
